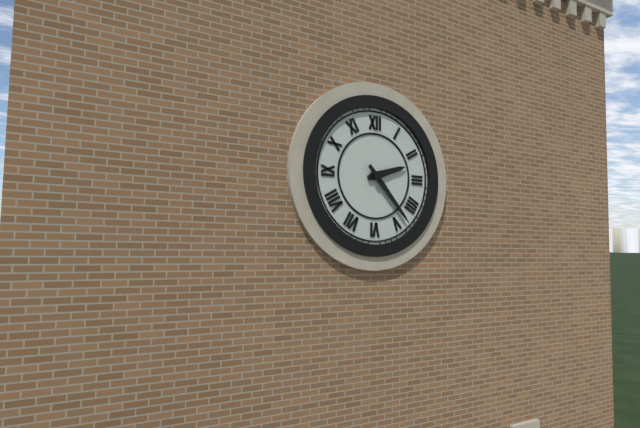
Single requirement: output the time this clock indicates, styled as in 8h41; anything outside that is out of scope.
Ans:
2h23
